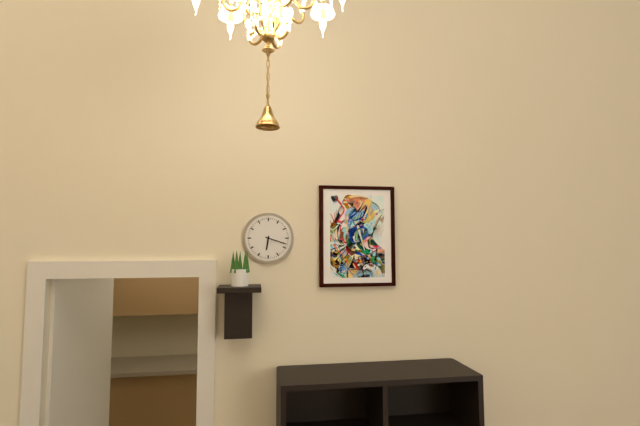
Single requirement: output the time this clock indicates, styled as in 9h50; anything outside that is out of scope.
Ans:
6h18
